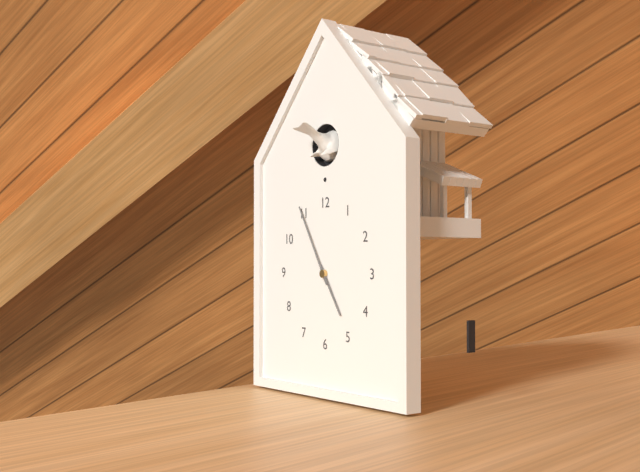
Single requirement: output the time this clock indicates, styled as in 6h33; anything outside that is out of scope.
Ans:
4h55
